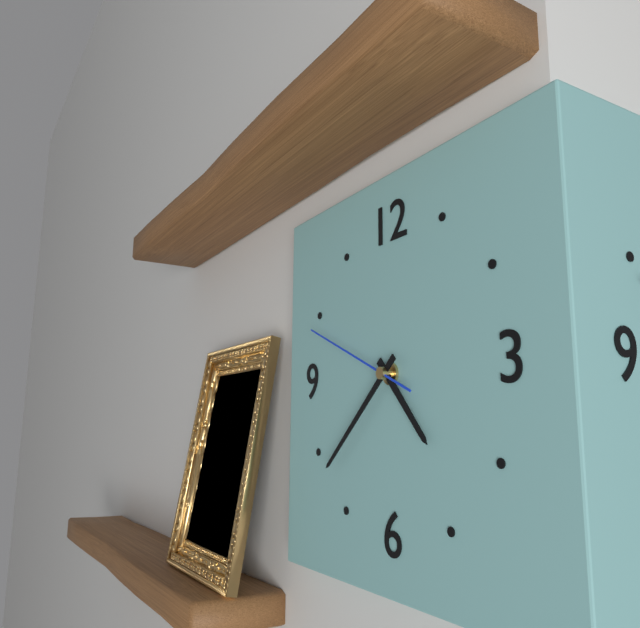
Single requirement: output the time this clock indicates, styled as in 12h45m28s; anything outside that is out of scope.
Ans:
4h38m49s
